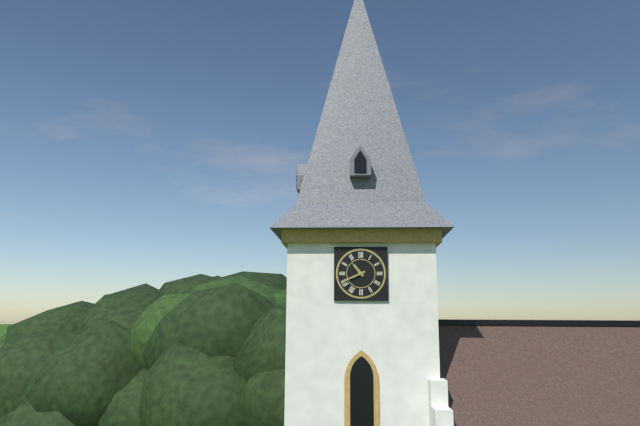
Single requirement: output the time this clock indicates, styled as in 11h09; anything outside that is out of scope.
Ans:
10h41
